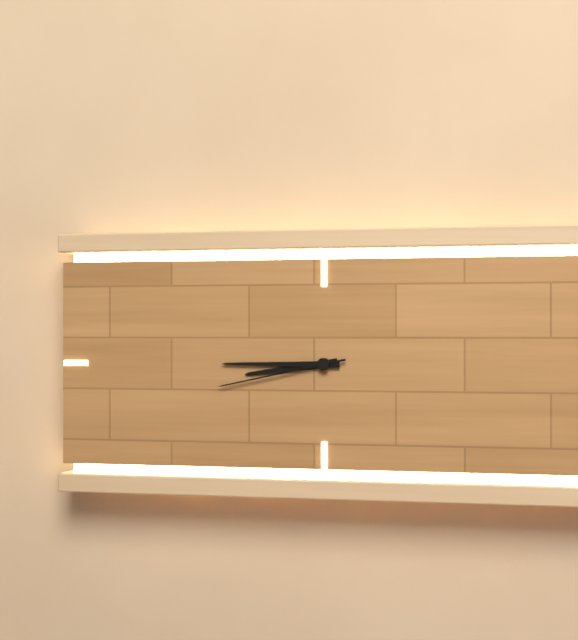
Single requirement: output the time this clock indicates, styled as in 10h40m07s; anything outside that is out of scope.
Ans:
8h45m43s
